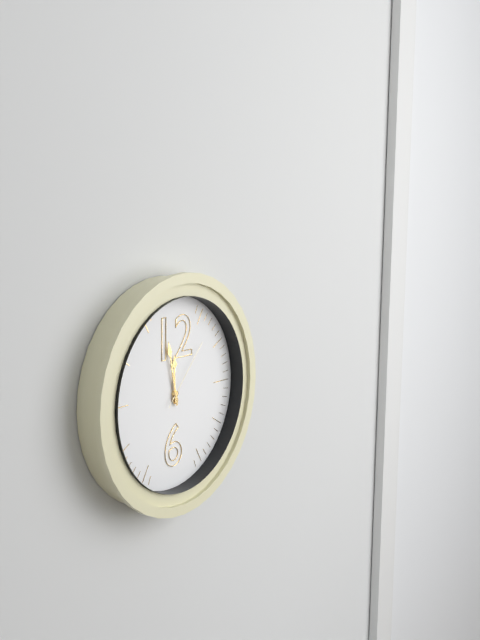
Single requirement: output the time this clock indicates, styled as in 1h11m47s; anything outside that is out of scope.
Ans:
11h58m07s
